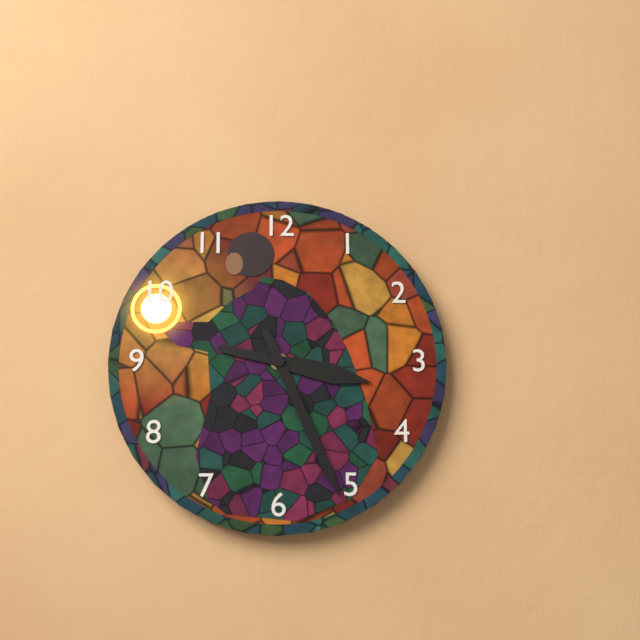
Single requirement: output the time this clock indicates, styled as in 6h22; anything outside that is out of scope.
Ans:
3h26
